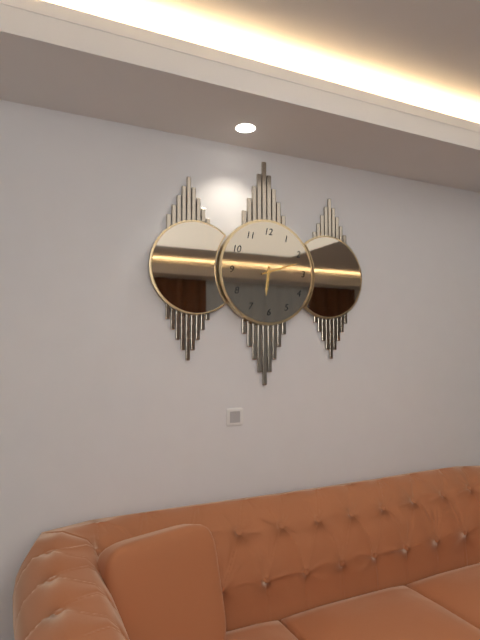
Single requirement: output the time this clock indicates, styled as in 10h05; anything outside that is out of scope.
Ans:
6h12
